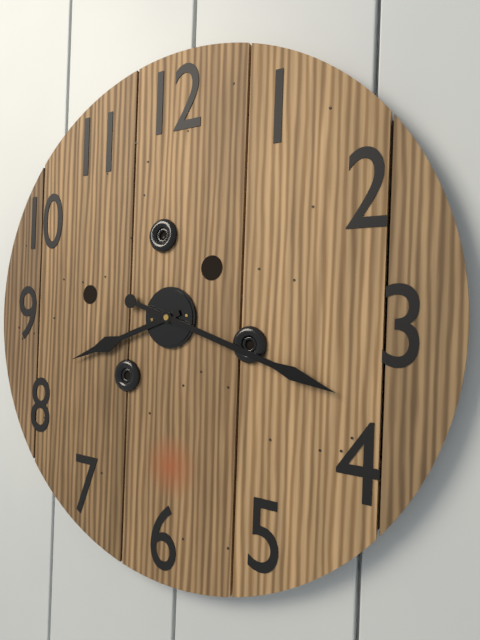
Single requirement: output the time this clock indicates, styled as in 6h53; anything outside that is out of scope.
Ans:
8h18
